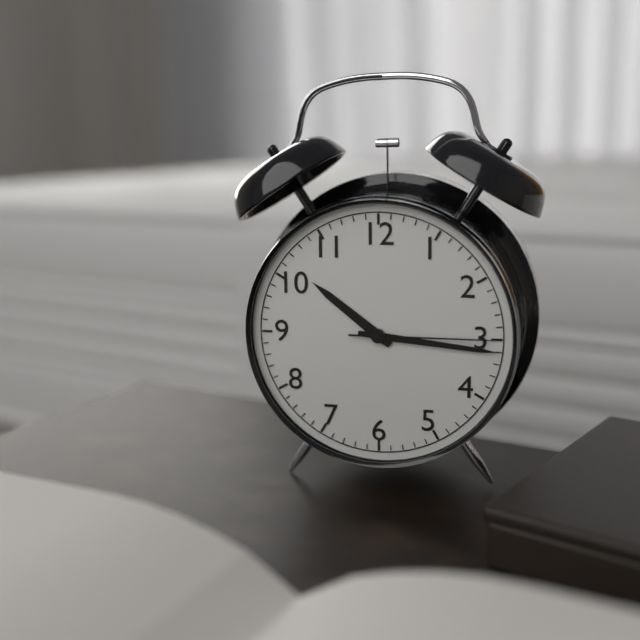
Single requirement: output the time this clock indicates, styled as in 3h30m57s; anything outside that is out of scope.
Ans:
10h16m15s
